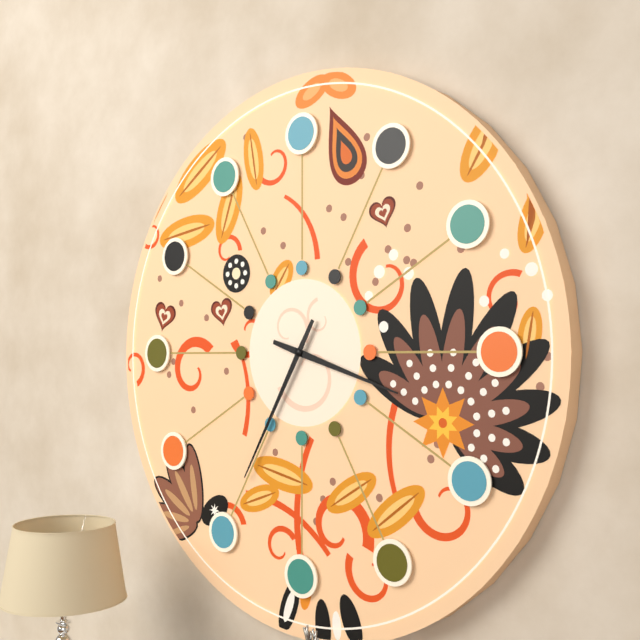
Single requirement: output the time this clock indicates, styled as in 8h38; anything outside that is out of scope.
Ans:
3h35
